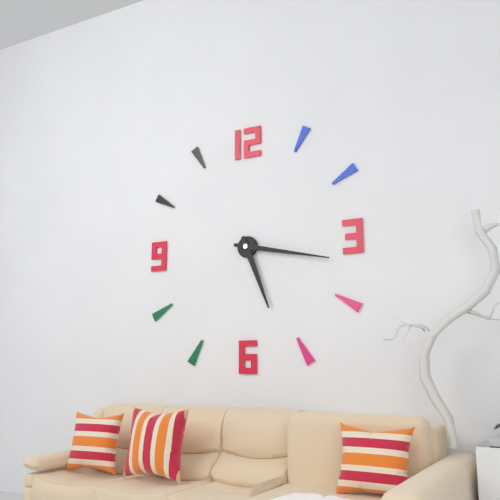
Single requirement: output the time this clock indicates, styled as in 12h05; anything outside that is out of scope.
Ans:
5h17
